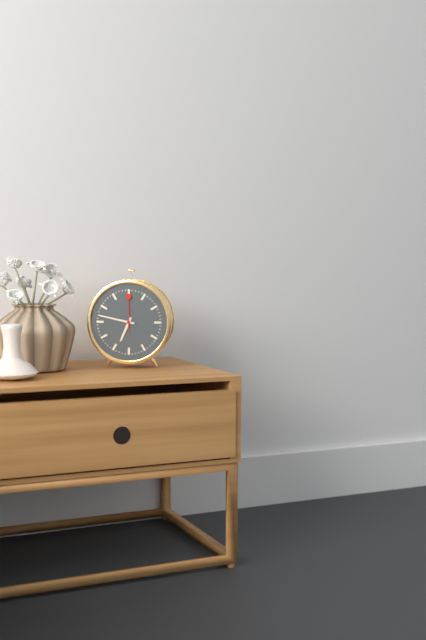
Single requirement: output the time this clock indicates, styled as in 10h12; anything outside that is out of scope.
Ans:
6h47
